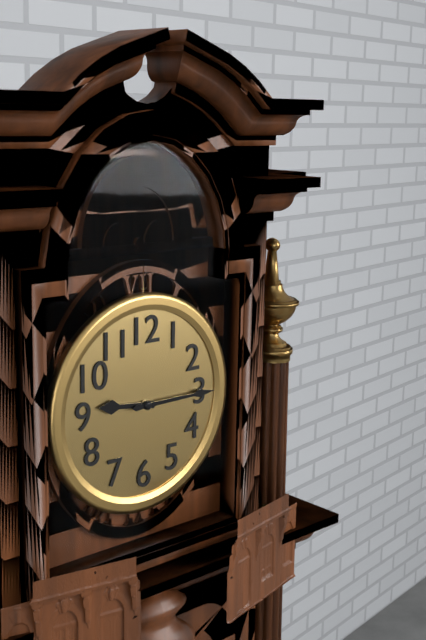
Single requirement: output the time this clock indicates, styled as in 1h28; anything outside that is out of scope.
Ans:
9h15
